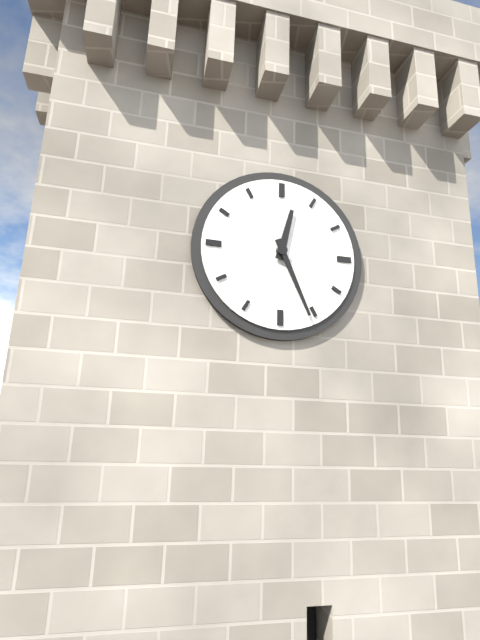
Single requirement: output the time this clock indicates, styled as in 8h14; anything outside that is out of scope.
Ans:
12h26
